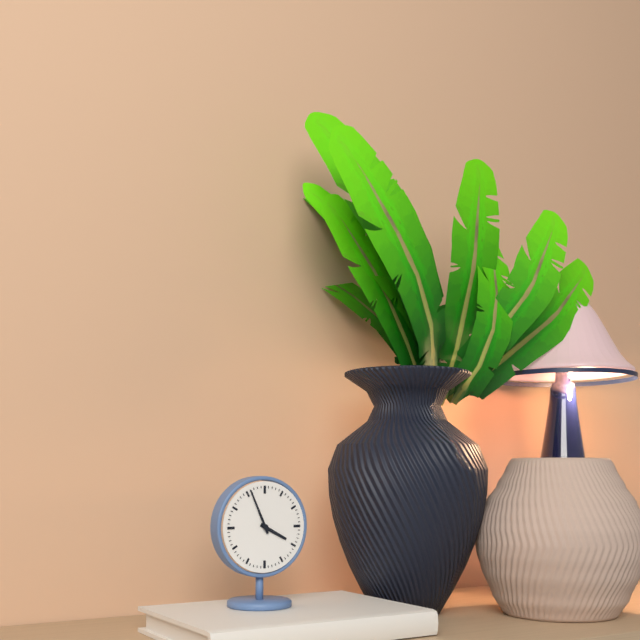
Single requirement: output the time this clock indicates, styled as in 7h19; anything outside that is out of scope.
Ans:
3h56
